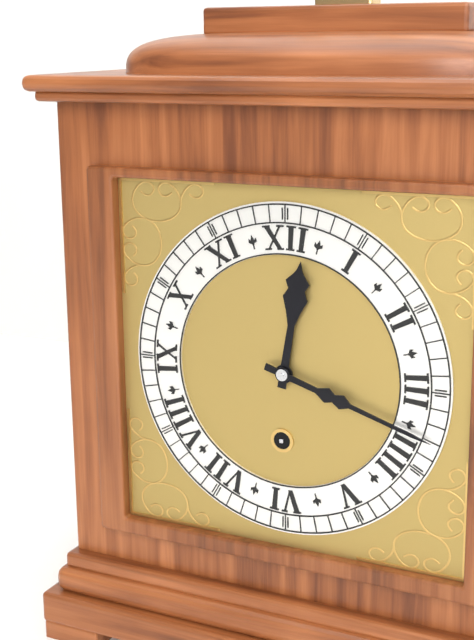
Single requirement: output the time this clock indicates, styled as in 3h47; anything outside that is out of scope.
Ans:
12h18
